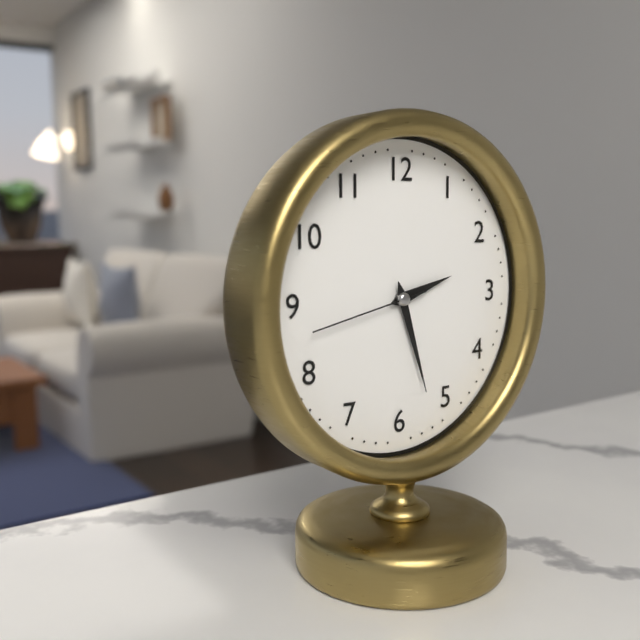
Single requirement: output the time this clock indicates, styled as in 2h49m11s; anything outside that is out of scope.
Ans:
2h27m43s
